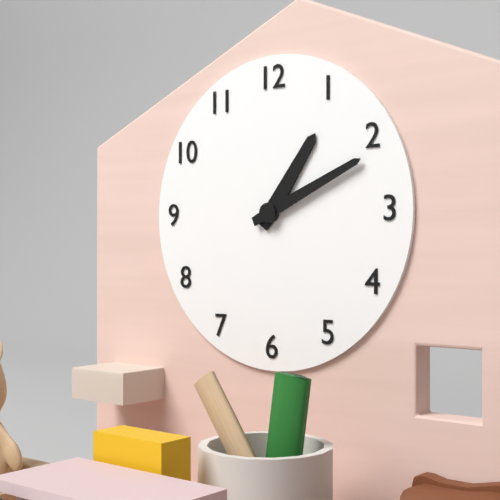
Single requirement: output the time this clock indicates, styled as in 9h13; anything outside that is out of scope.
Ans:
1h11
